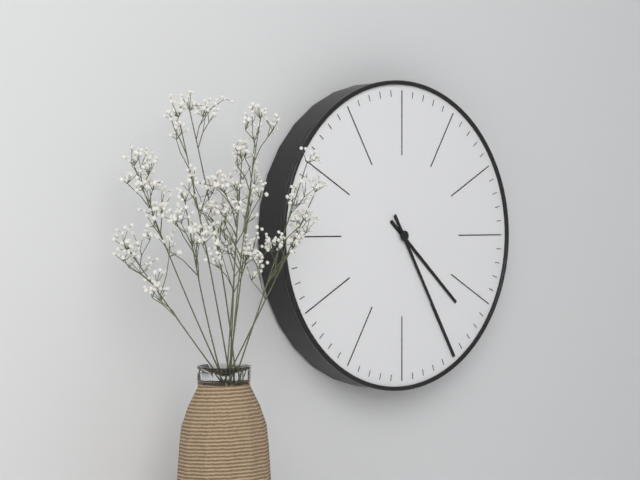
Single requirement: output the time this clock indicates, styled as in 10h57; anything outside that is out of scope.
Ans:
4h25
